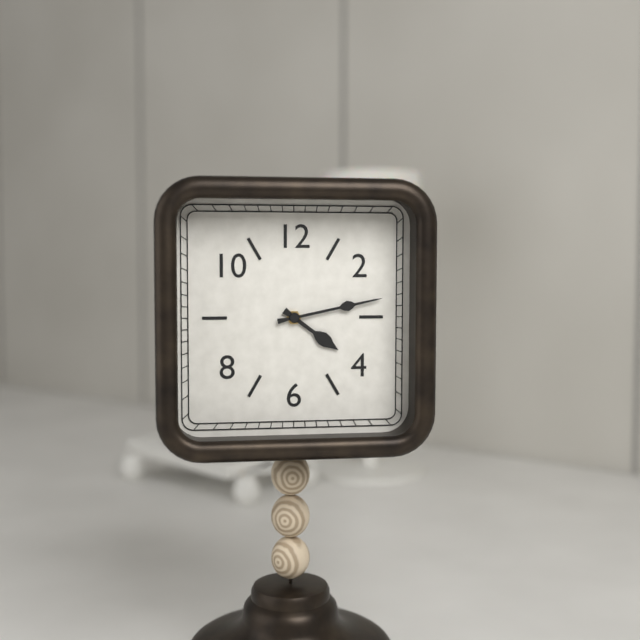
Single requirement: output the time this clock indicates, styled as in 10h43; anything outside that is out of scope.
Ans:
4h13
